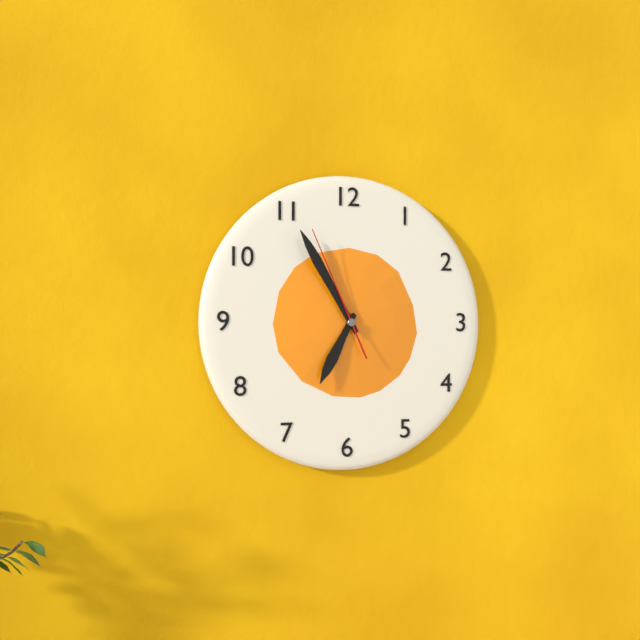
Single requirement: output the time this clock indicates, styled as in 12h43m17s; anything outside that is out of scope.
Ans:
6h55m56s
